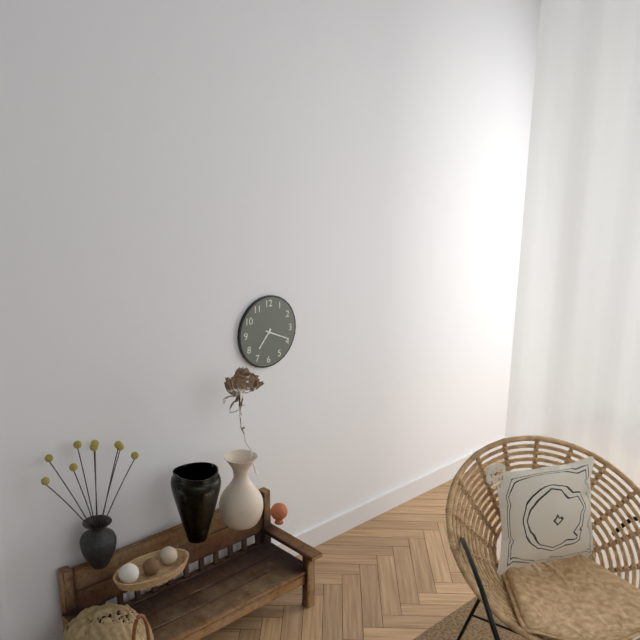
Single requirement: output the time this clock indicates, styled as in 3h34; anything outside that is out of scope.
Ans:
7h19
